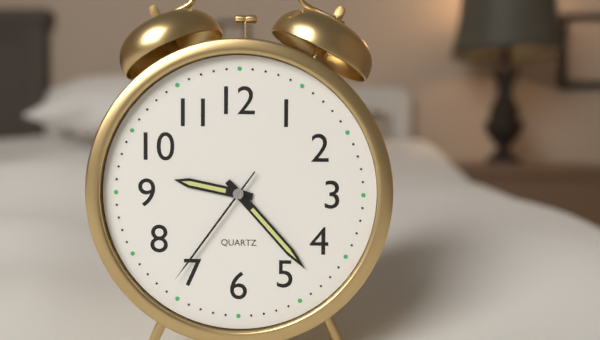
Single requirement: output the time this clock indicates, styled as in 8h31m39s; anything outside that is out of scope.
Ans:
9h23m36s
